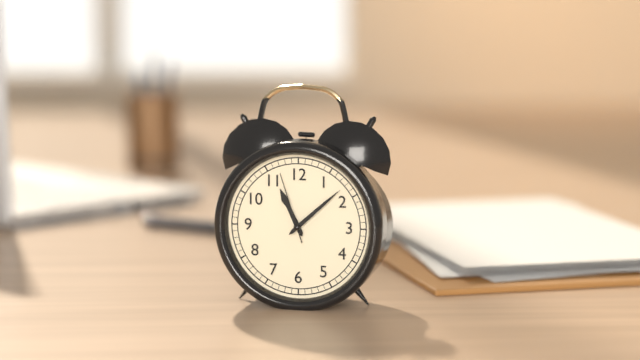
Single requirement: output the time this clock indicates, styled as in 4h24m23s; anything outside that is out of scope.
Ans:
11h08m57s
